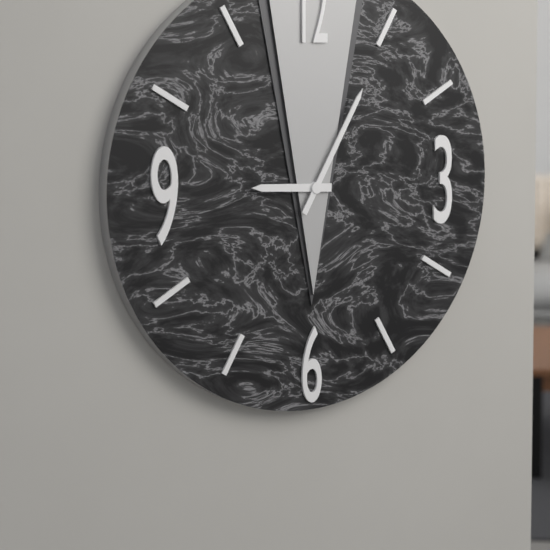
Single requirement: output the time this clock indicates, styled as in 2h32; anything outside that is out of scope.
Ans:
9h05
